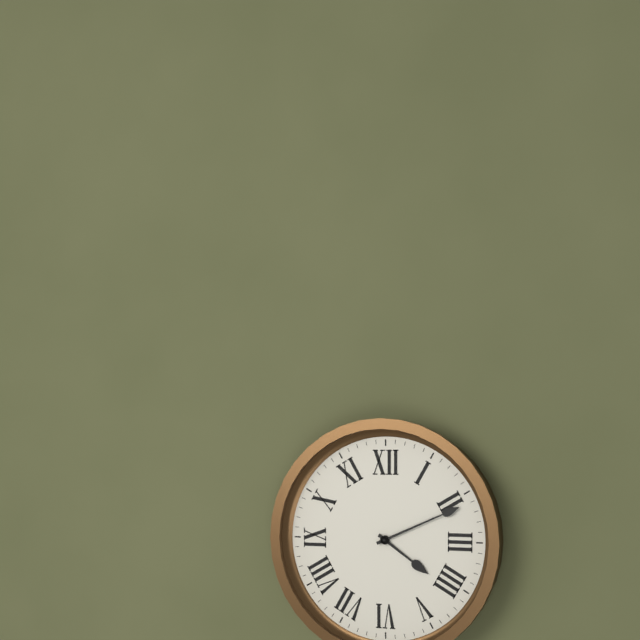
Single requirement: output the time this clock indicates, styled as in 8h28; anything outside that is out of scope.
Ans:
4h11
